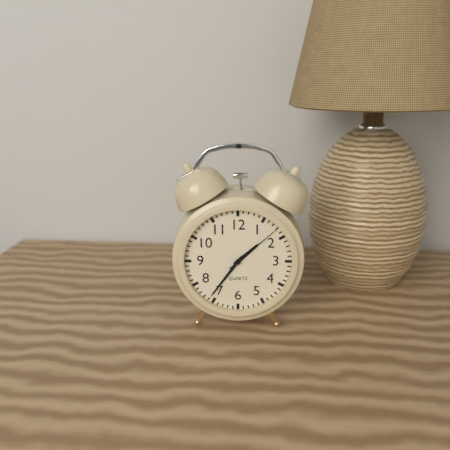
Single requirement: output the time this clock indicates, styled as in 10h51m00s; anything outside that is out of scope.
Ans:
1h36m08s
